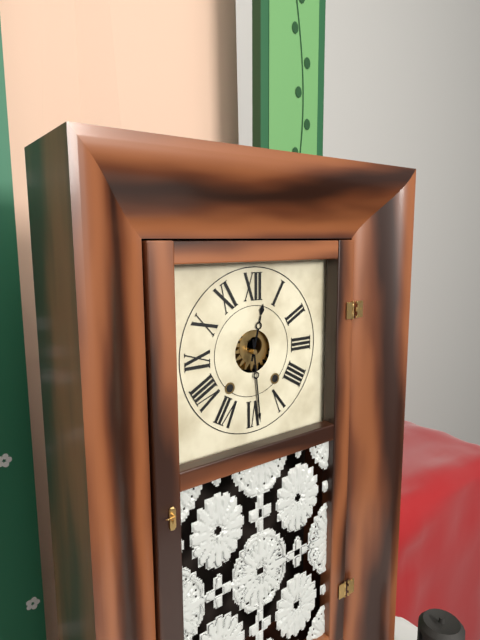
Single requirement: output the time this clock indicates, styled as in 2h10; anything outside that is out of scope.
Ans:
12h29
